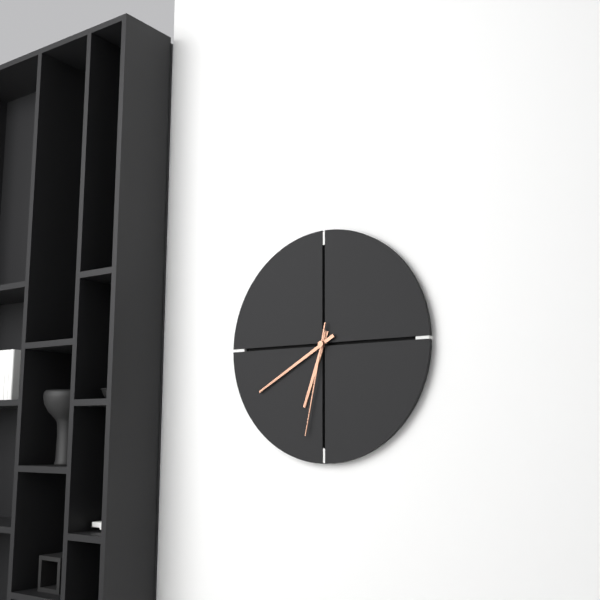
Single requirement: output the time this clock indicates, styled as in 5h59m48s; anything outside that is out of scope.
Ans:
6h40m32s
